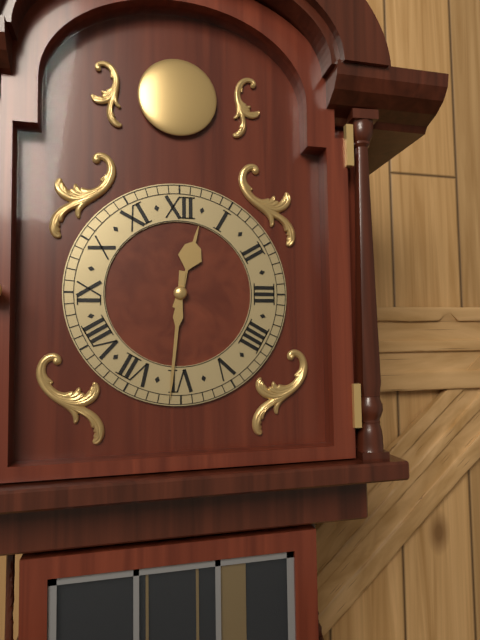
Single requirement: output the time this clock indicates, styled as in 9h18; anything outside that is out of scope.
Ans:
12h31
